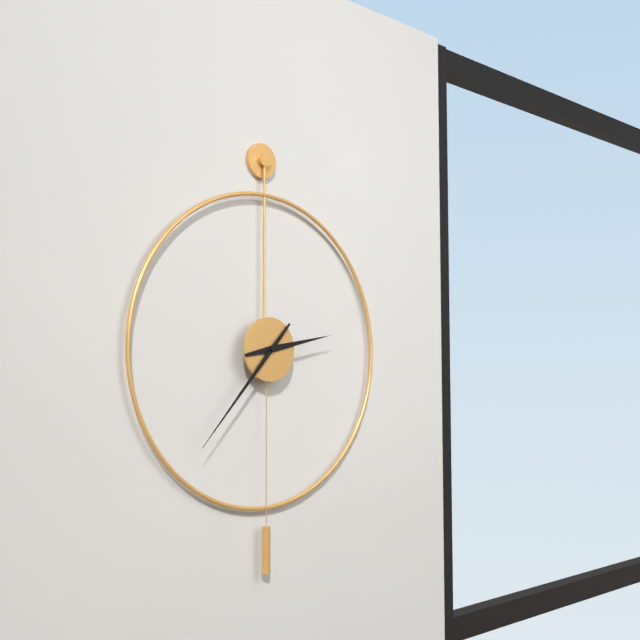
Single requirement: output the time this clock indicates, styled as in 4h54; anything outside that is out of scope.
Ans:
2h37
